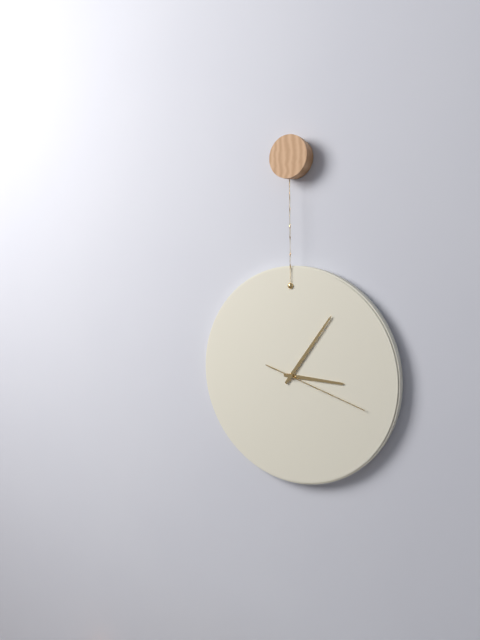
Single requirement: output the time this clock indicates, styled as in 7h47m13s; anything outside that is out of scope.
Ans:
3h06m18s
